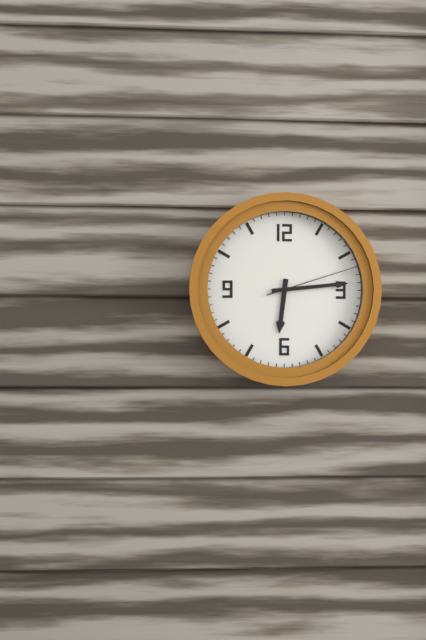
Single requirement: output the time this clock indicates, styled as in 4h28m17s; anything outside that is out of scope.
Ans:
6h14m12s
